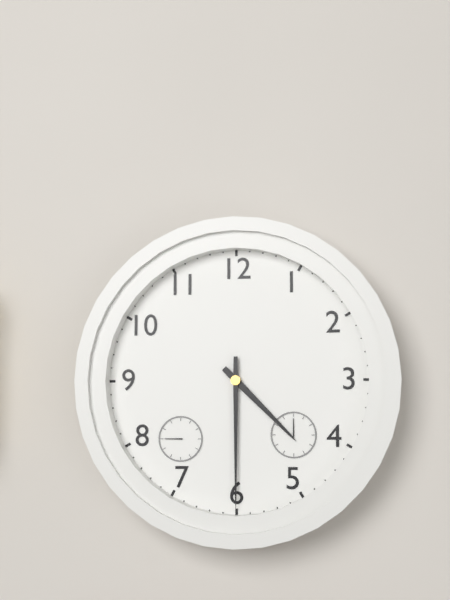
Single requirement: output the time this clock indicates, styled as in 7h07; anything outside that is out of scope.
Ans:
4h30
